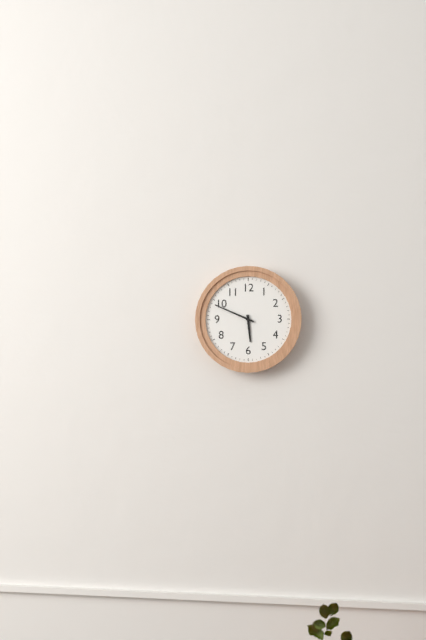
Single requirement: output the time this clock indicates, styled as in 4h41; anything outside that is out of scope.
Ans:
5h49
